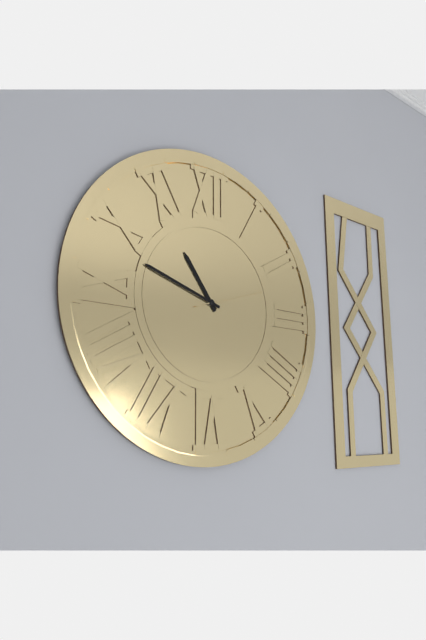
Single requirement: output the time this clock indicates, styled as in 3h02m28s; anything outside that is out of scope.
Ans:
10h48m12s
